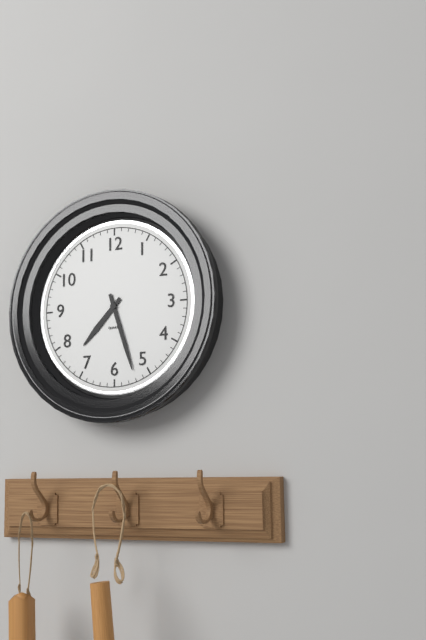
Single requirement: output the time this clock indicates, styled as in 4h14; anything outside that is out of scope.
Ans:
7h27
